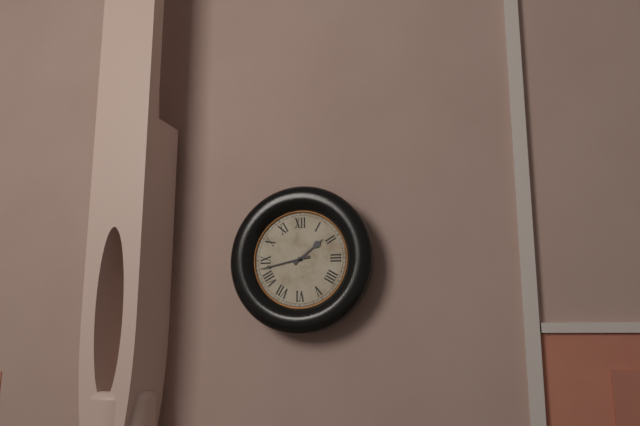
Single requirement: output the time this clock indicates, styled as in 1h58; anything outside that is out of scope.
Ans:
1h43
